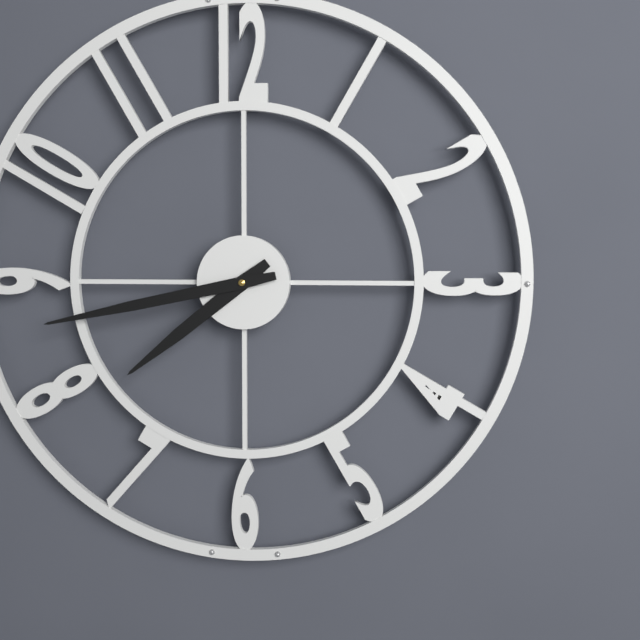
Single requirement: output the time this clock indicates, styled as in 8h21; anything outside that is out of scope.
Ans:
7h43
